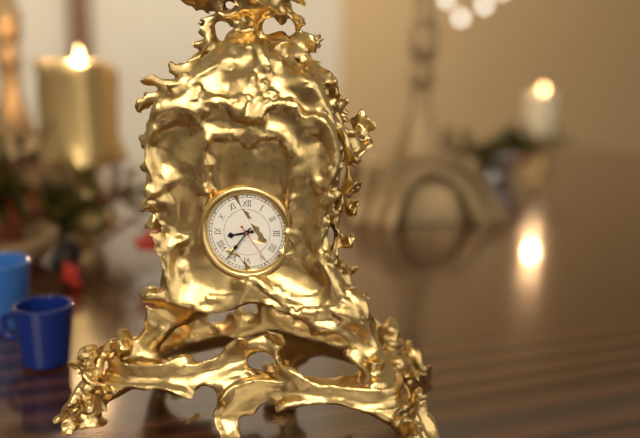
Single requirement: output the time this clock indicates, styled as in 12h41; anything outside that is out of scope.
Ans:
8h36
